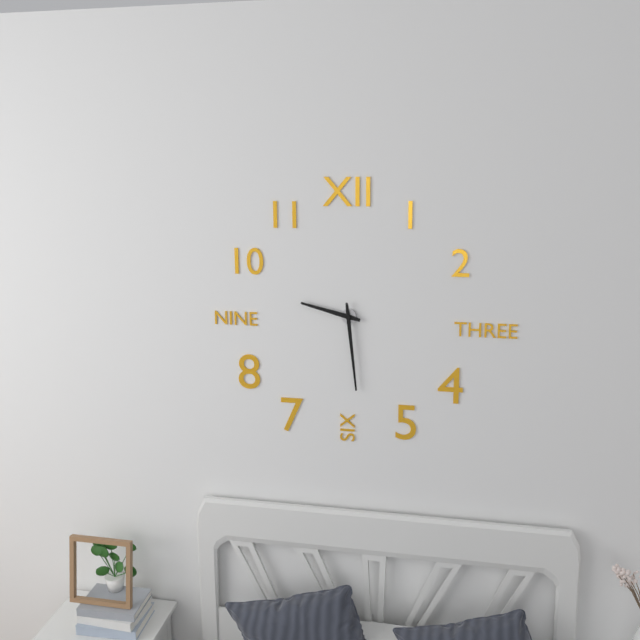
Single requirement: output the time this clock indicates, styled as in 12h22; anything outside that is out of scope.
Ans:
9h29
